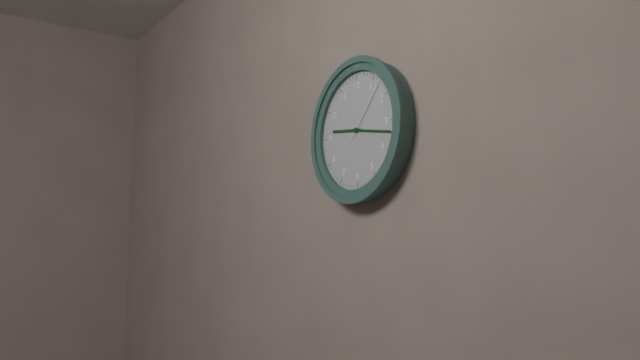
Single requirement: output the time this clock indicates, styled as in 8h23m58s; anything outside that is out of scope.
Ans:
9h17m07s
